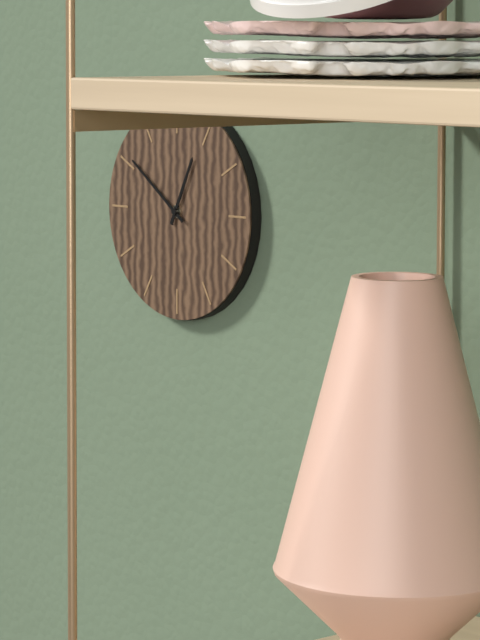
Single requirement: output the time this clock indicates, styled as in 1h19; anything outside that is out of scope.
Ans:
12h51
